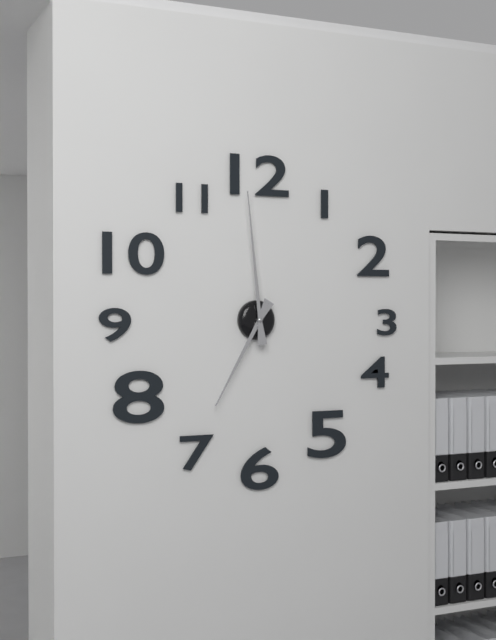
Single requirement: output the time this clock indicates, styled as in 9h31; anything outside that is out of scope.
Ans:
6h59
